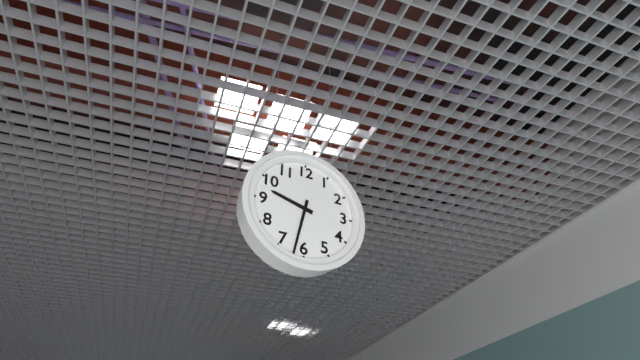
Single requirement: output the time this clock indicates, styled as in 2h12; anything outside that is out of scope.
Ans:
9h32
